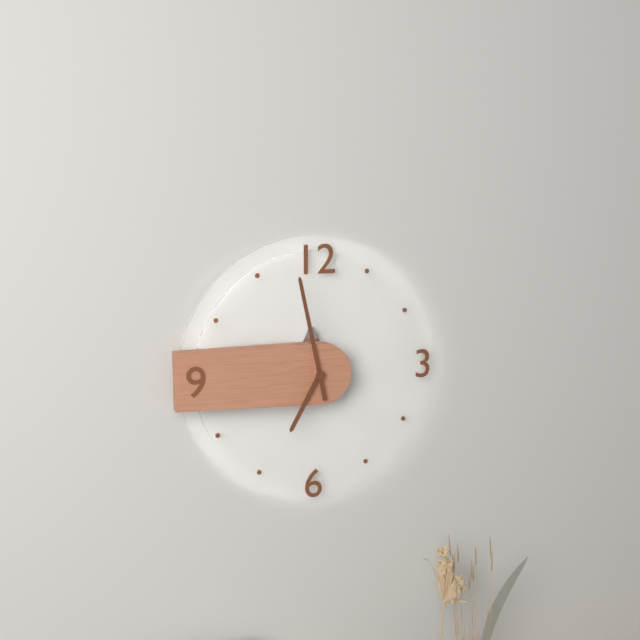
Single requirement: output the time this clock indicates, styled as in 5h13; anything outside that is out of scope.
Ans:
6h58
